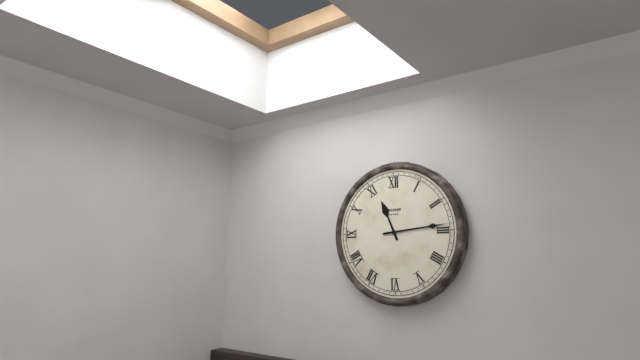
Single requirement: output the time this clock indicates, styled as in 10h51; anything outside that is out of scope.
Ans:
11h14
